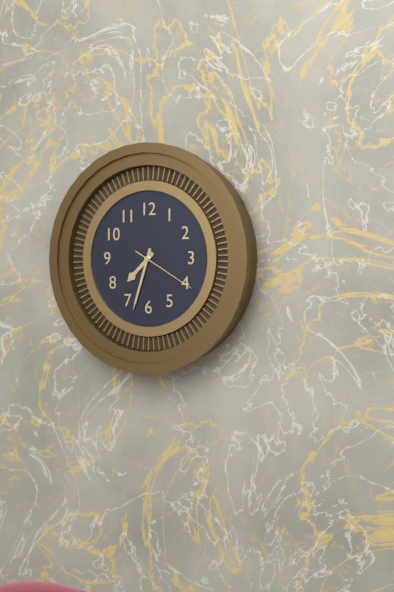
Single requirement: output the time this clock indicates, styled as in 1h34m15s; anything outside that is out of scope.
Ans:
7h33m20s
